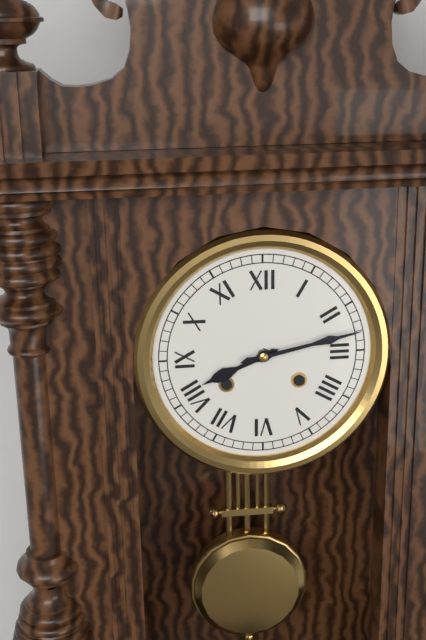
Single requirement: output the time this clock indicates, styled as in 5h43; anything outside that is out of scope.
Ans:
8h13
